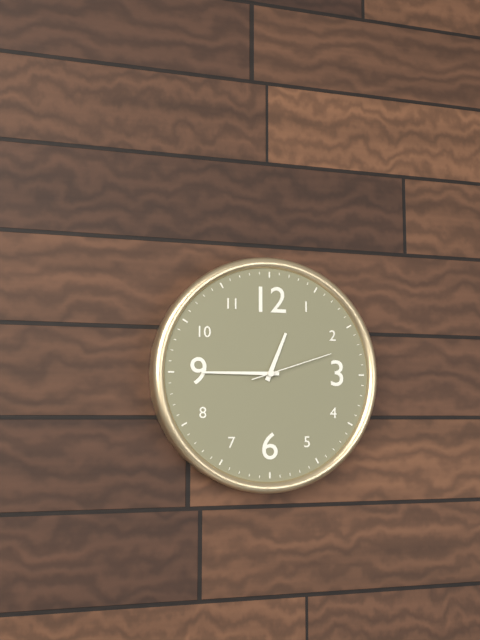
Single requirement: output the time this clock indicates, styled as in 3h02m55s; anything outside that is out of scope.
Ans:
12h45m12s
